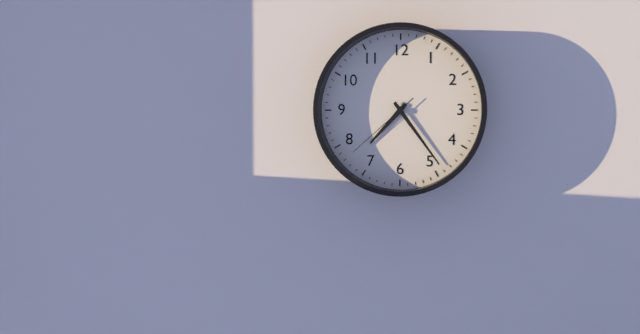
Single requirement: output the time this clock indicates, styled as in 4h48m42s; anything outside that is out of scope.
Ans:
7h24m38s
